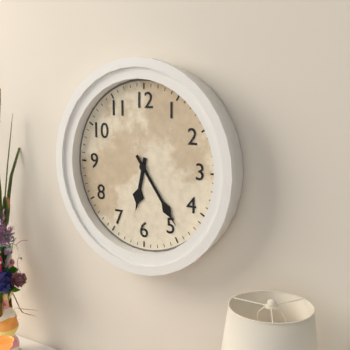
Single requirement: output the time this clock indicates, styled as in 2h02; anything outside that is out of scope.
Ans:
6h24
